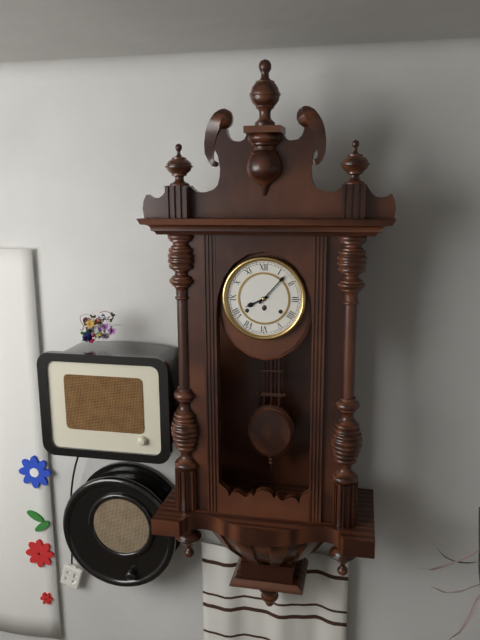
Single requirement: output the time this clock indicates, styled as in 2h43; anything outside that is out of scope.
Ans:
8h07
